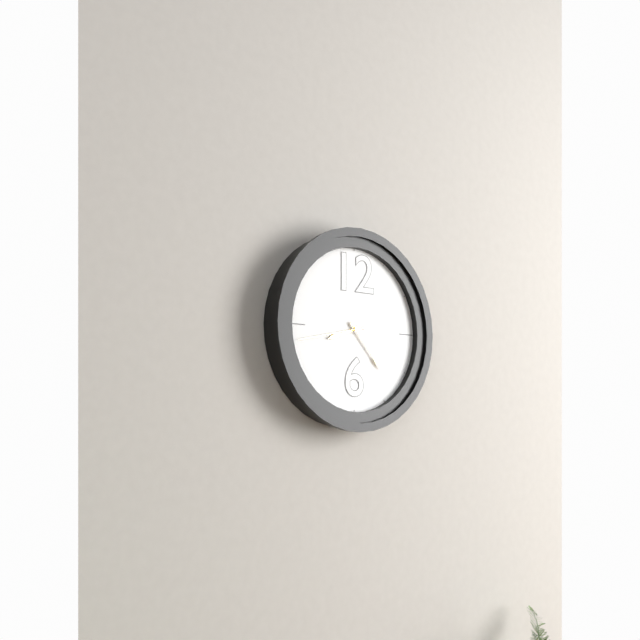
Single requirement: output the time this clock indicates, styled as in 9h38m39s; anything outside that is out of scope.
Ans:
8h23m43s
